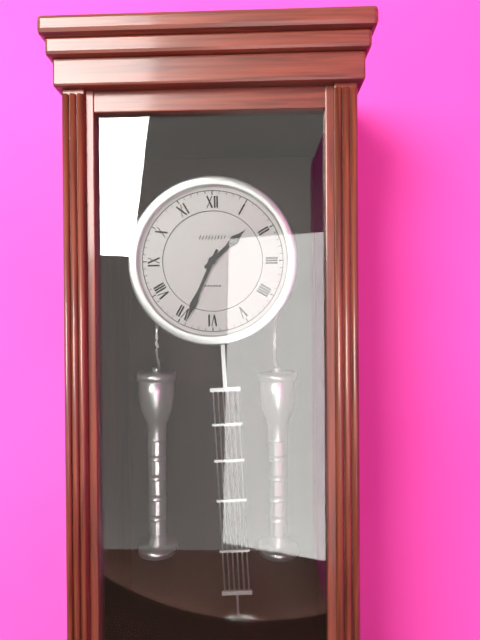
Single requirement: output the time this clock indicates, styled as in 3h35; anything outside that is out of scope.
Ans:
1h34
